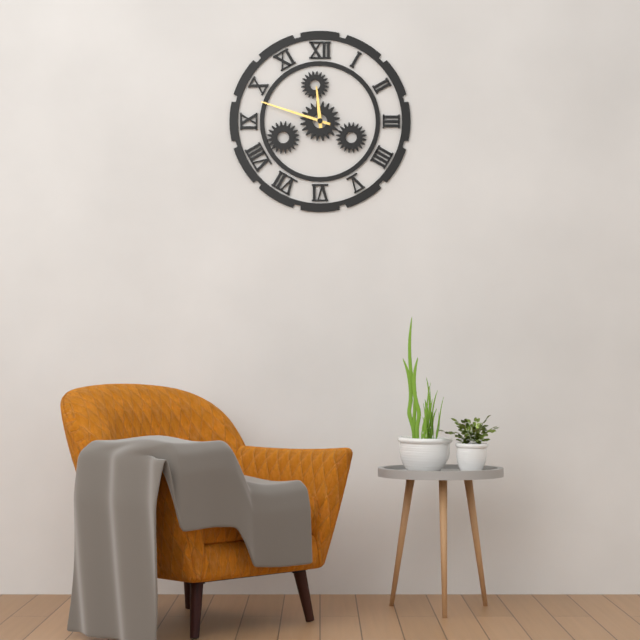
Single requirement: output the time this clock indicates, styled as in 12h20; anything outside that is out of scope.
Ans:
11h48
